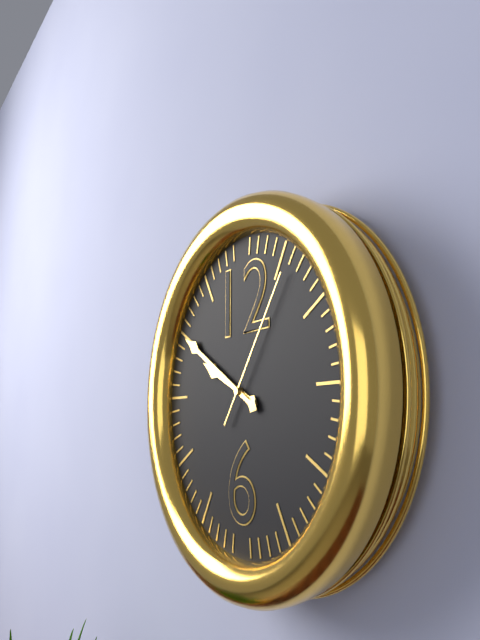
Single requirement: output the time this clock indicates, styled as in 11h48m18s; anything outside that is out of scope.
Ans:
9h50m06s
